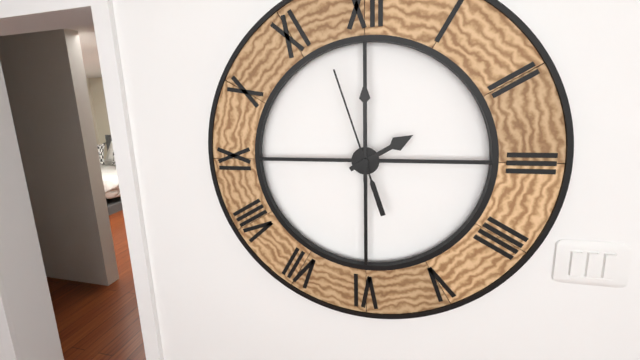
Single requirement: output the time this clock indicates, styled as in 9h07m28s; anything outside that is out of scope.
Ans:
2h00m57s
